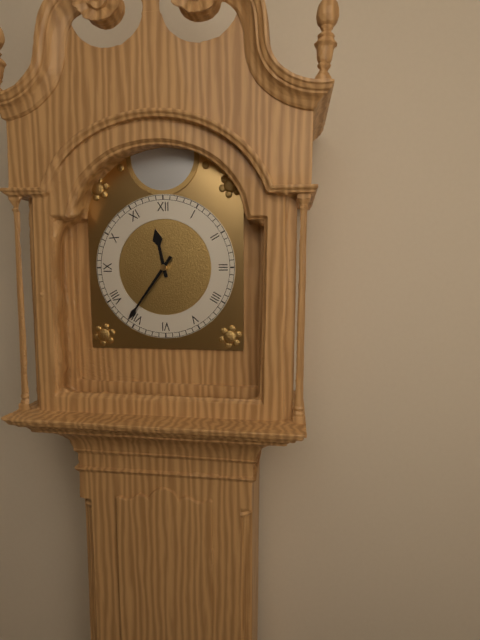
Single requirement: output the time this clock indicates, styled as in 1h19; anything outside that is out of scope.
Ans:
11h36
